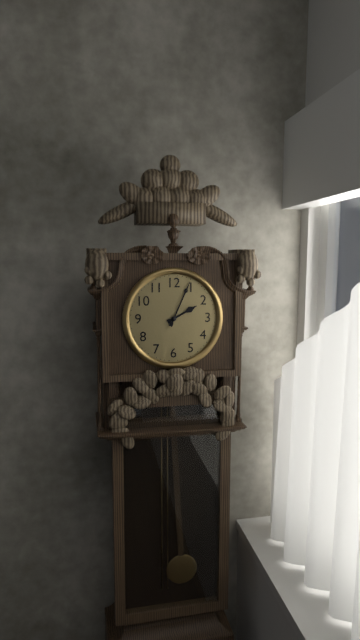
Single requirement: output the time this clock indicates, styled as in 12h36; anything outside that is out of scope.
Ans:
2h04
